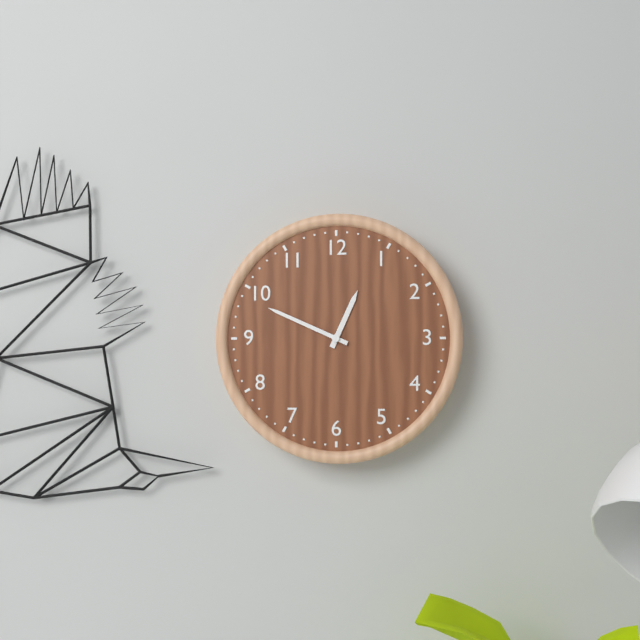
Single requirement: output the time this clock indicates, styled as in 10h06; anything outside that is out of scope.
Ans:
12h49
